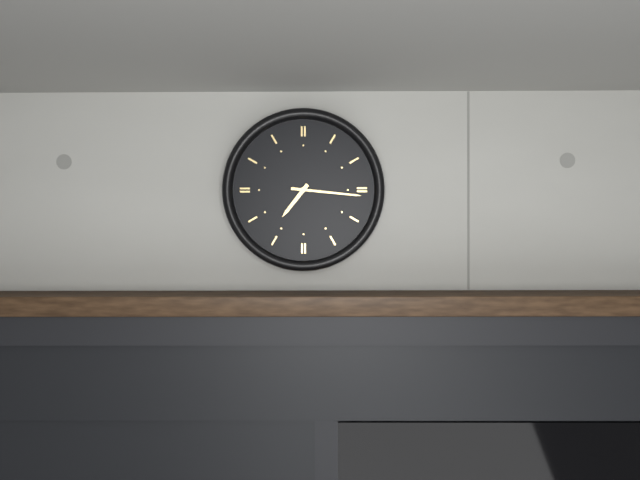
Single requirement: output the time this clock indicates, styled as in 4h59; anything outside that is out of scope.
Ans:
7h16
